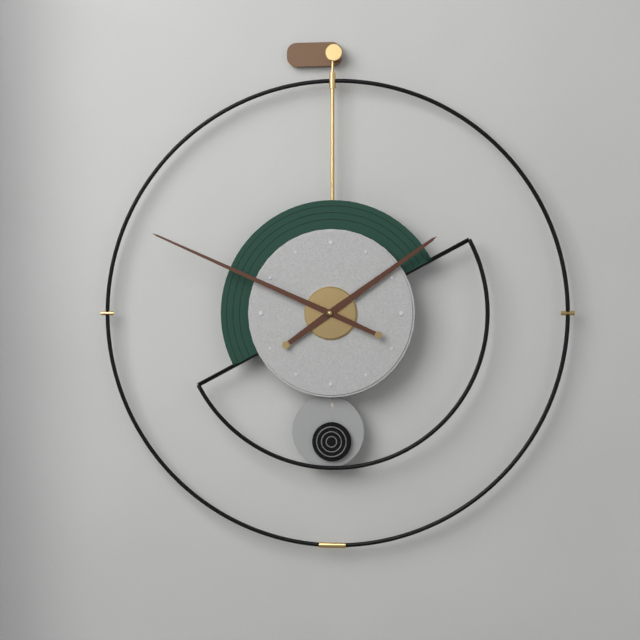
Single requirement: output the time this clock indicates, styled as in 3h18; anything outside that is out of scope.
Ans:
1h49
